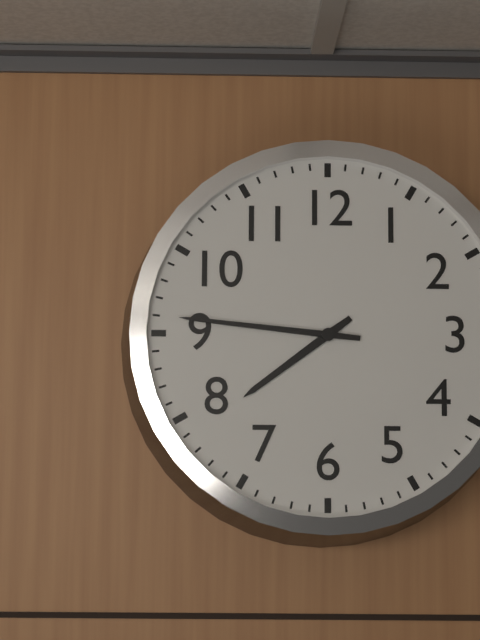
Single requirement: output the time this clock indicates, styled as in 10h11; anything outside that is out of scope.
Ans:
7h46
